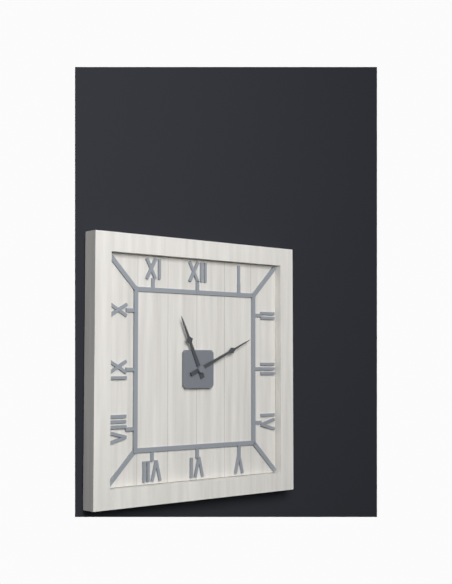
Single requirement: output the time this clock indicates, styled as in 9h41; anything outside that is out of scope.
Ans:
11h11
